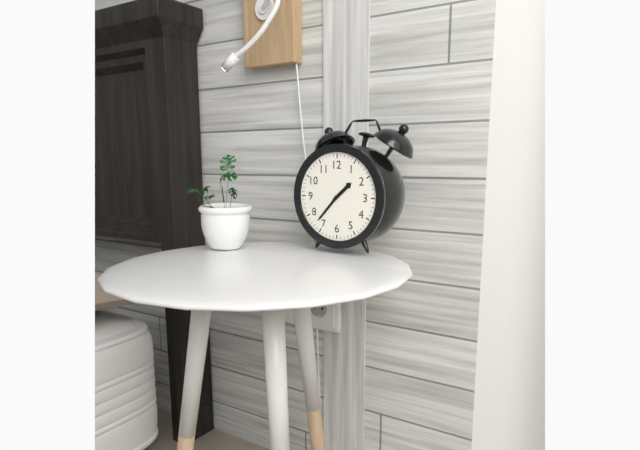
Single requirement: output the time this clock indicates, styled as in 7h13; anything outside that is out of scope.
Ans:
1h37
